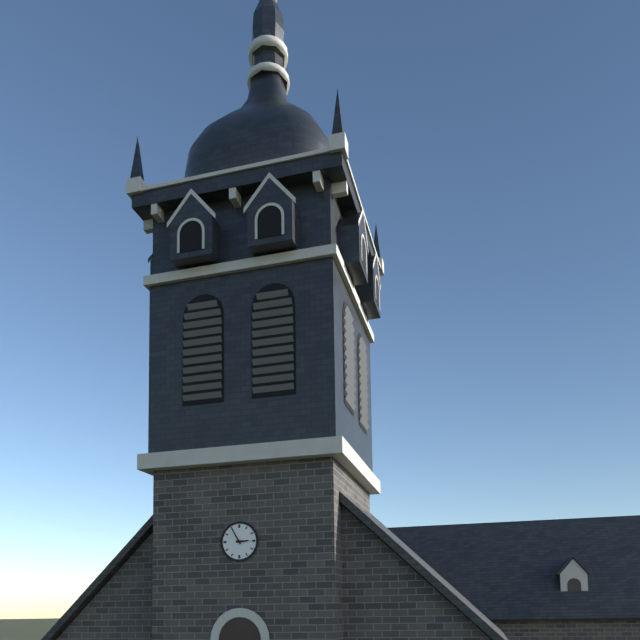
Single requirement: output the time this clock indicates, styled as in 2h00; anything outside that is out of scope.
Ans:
2h55
